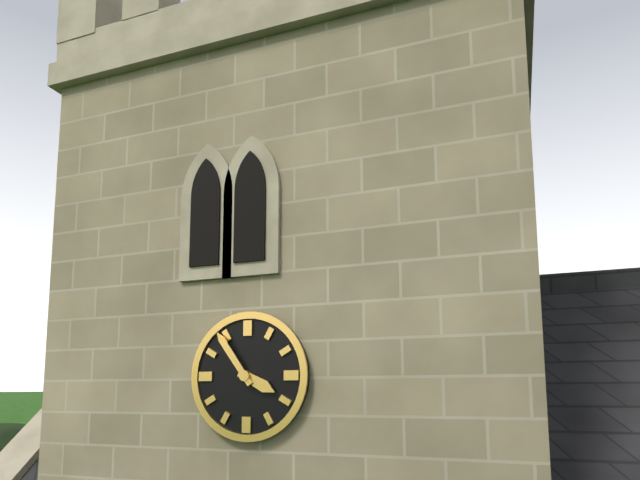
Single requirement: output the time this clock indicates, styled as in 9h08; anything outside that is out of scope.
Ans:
3h54
